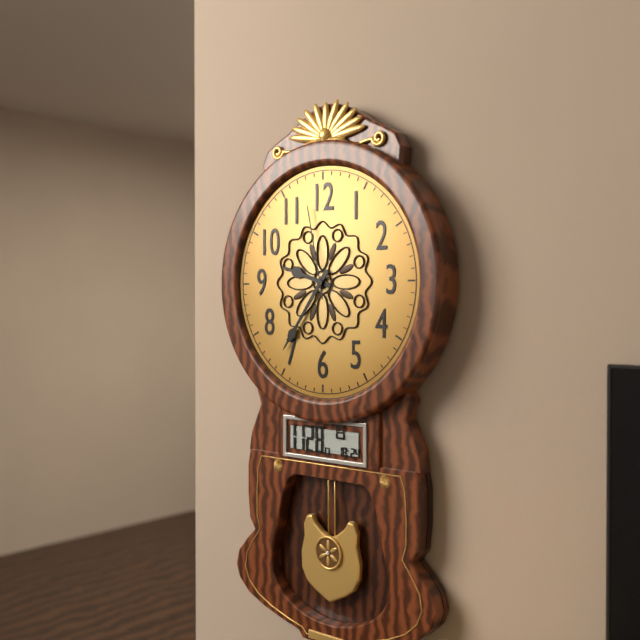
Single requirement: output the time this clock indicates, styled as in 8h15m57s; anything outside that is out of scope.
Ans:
9h36m58s
